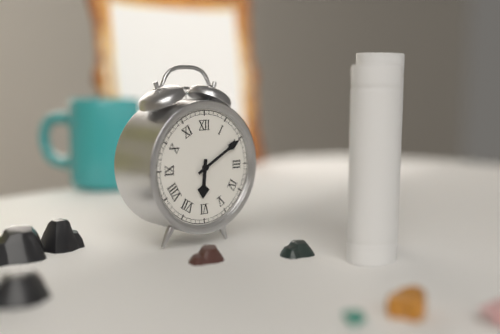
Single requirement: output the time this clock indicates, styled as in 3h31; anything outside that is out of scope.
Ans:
6h10
